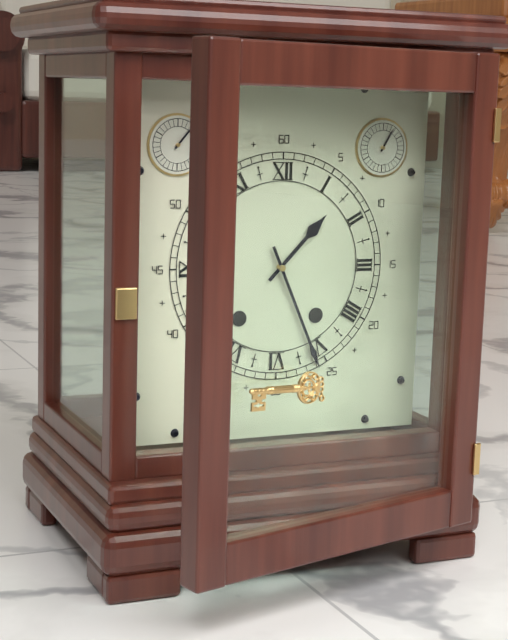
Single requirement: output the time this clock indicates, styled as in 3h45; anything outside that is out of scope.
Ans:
1h26
